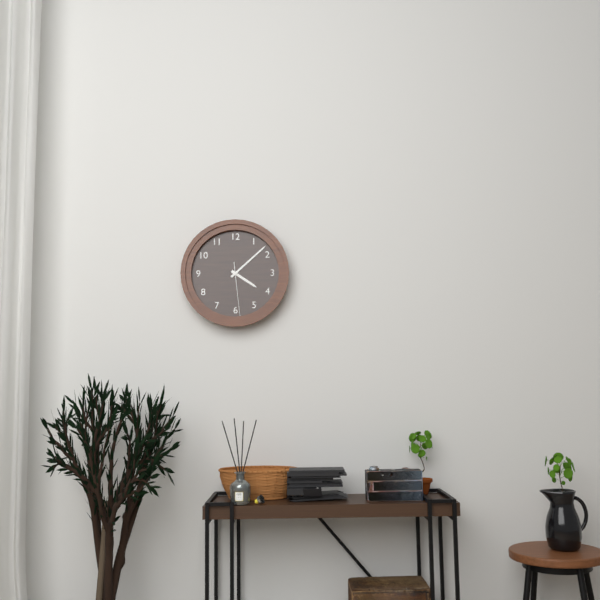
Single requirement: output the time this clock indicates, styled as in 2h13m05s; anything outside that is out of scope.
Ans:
4h08m29s
